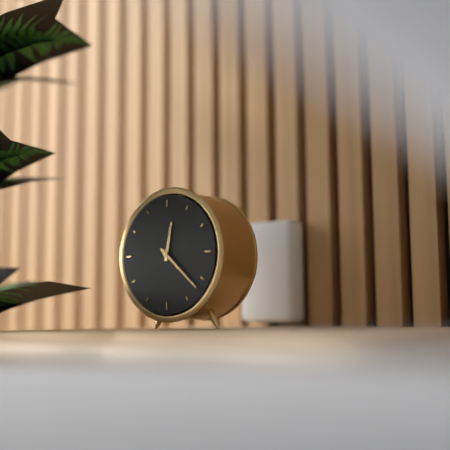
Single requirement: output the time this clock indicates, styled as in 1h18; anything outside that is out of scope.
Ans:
12h22
